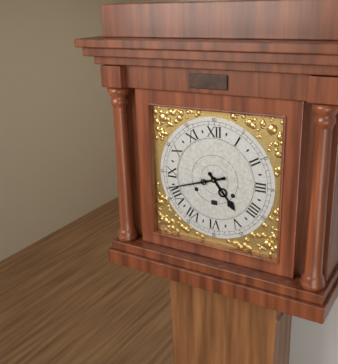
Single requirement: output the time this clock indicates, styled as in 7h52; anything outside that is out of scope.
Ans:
4h42
